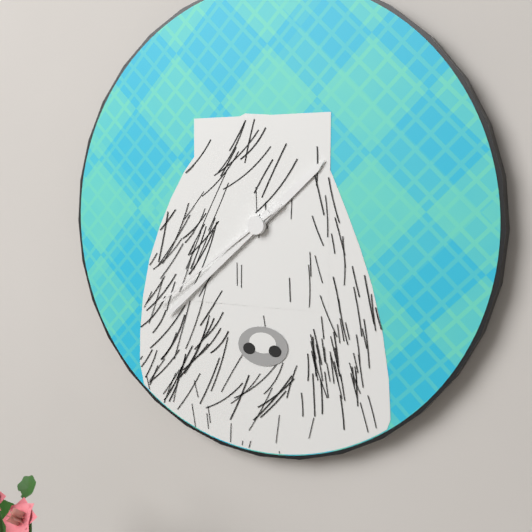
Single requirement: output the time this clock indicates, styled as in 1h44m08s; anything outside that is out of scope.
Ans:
1h38m39s
